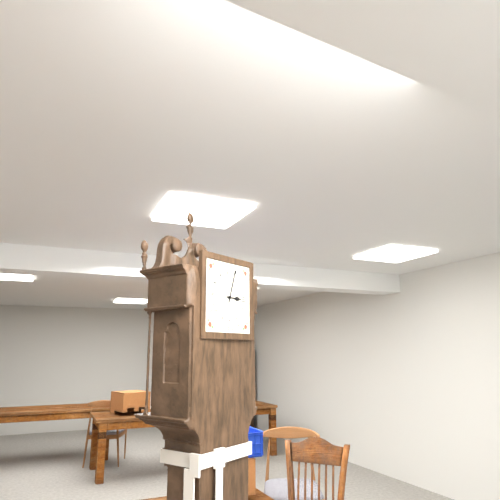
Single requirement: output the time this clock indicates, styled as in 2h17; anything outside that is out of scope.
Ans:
3h03
